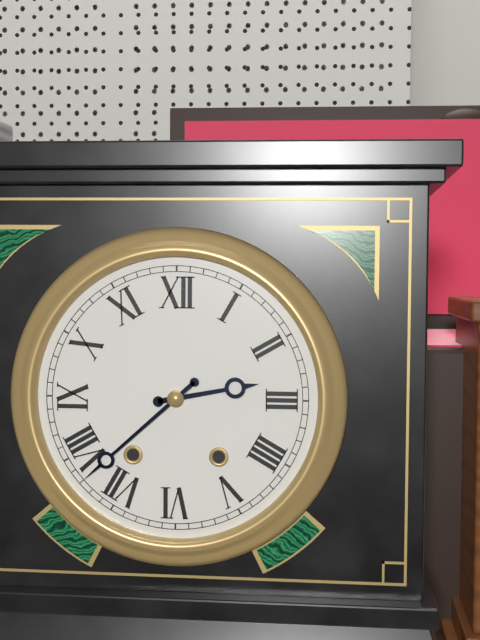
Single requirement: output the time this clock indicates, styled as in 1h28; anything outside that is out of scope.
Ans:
2h38
